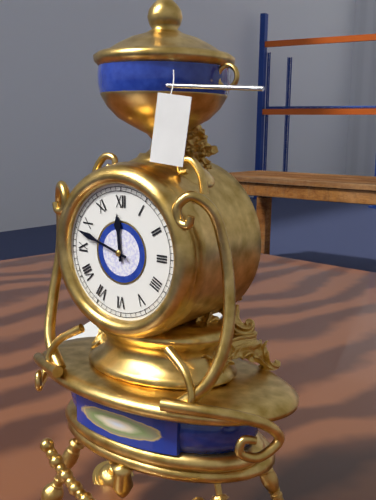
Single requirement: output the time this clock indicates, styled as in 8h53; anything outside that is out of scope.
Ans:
11h48
